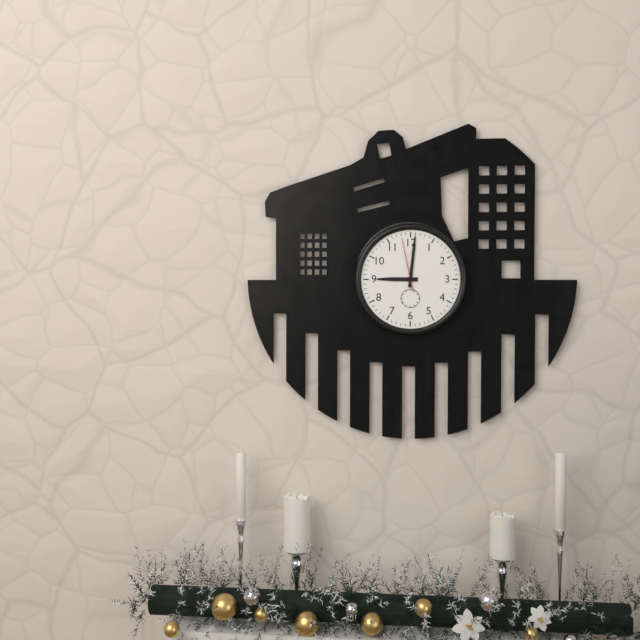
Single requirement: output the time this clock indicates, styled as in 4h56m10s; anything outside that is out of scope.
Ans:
9h01m58s
